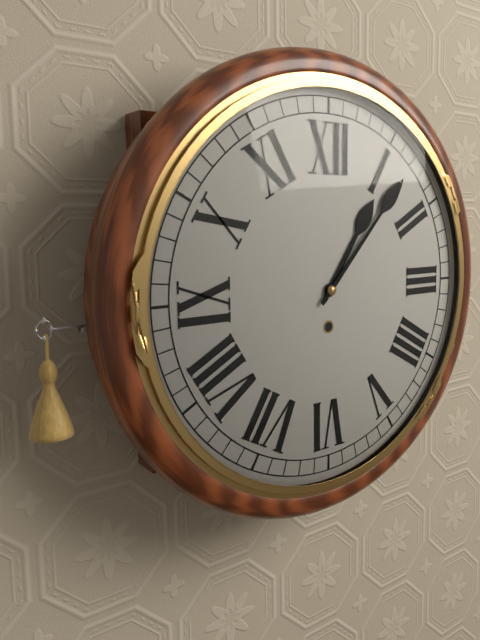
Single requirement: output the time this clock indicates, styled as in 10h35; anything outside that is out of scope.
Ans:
1h07
